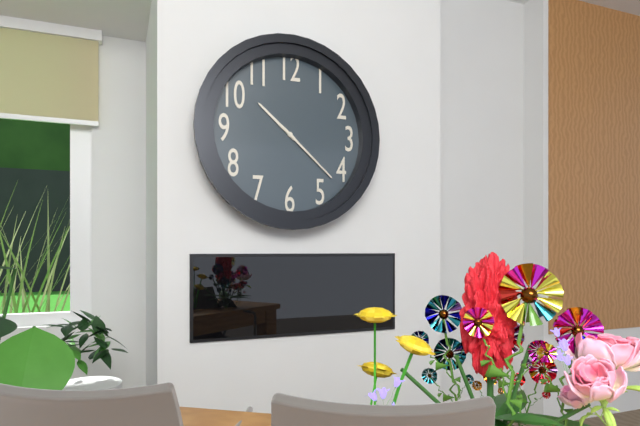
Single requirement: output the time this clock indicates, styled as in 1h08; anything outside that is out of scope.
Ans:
10h22
